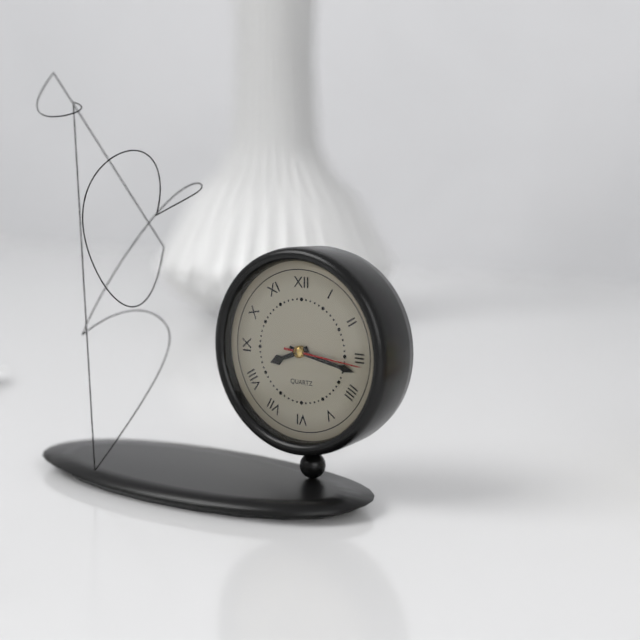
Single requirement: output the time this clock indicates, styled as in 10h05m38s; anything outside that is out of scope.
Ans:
8h17m16s
